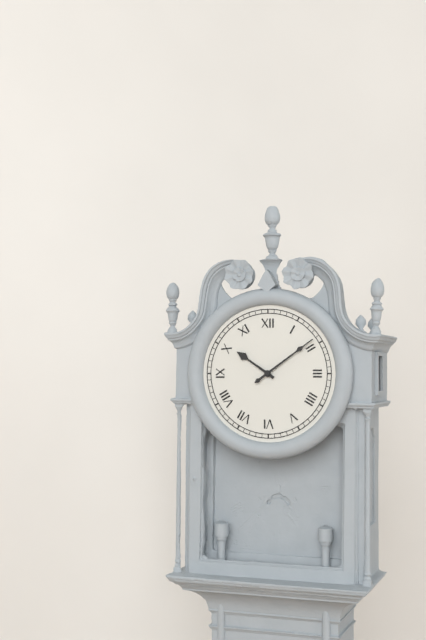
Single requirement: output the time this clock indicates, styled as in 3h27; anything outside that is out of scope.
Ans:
10h09
